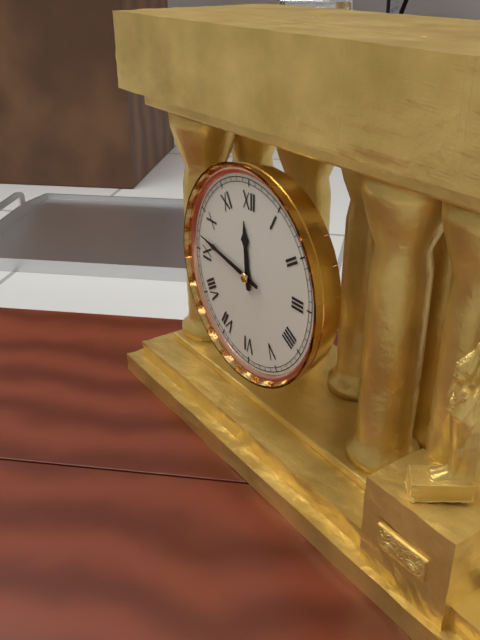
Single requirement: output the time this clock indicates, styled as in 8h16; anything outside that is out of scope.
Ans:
11h47
